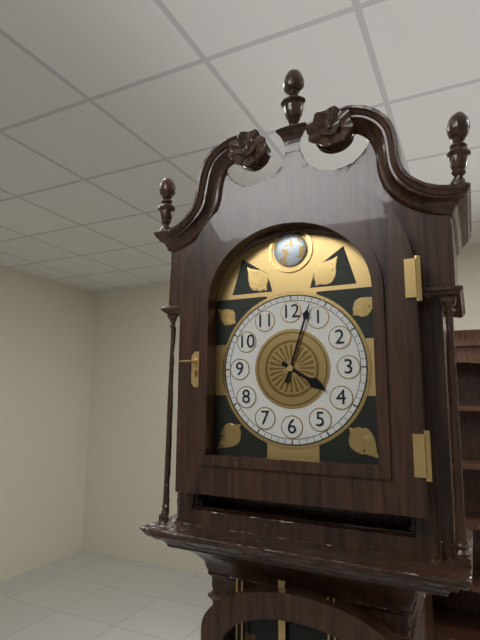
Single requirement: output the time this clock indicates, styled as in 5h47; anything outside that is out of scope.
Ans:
4h03
